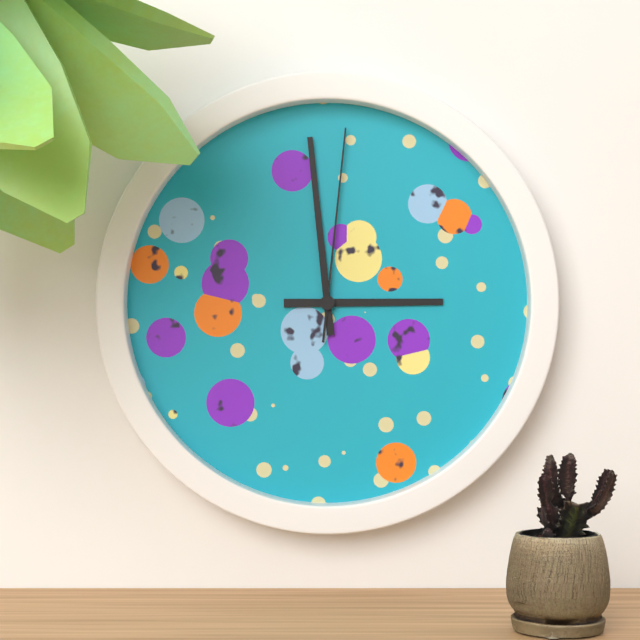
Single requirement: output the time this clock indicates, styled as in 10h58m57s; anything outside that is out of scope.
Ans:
2h59m01s
